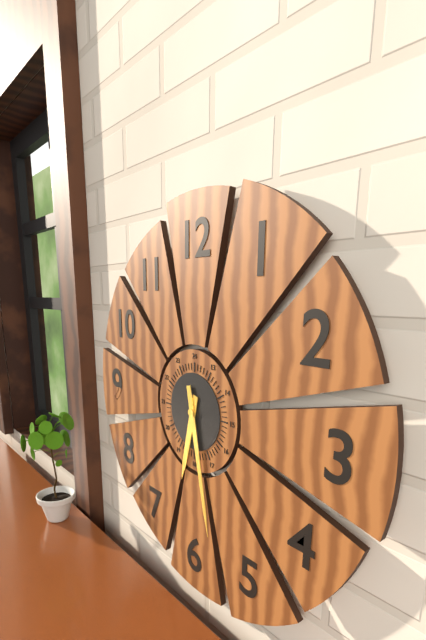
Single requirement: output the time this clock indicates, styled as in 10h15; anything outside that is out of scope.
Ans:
6h28
